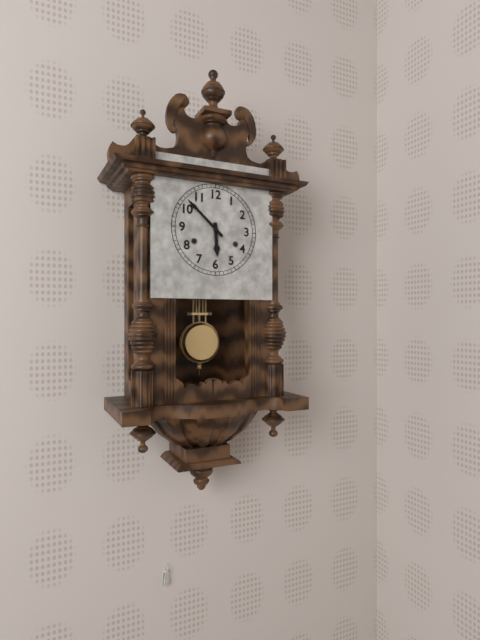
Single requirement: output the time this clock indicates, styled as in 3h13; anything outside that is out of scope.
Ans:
5h52
